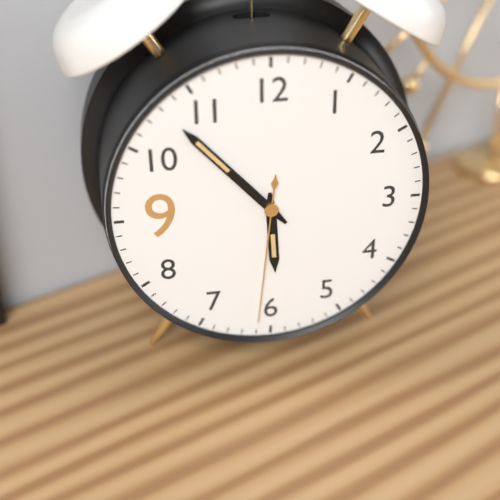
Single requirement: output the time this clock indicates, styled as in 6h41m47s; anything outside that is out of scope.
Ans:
5h53m31s
